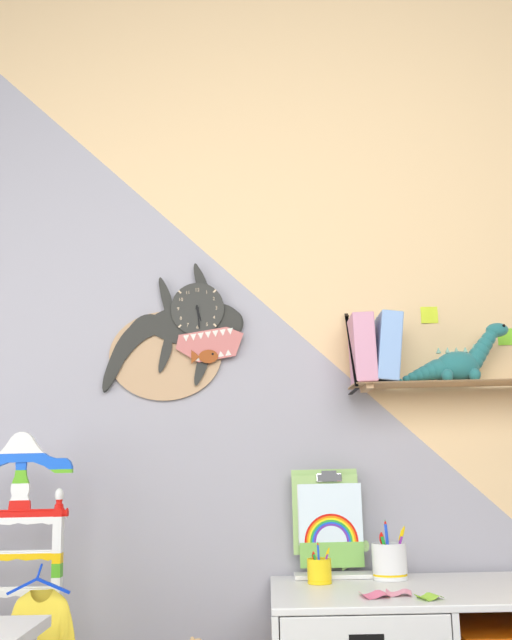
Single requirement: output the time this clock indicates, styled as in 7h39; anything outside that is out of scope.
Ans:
5h29
